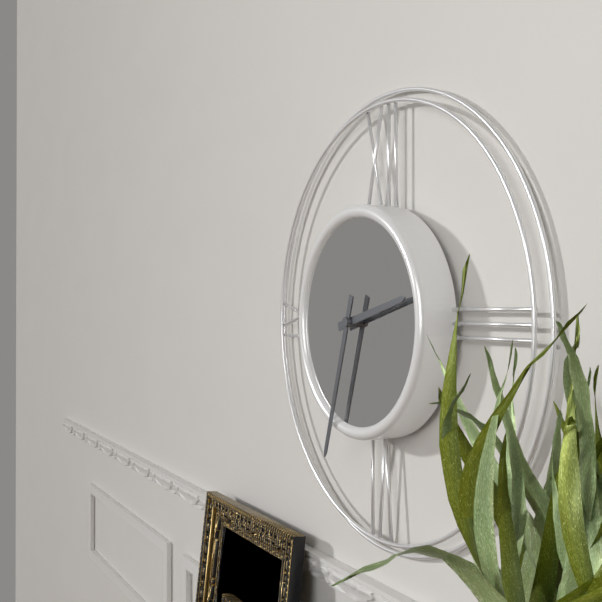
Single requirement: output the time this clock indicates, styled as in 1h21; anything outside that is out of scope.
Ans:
2h33
